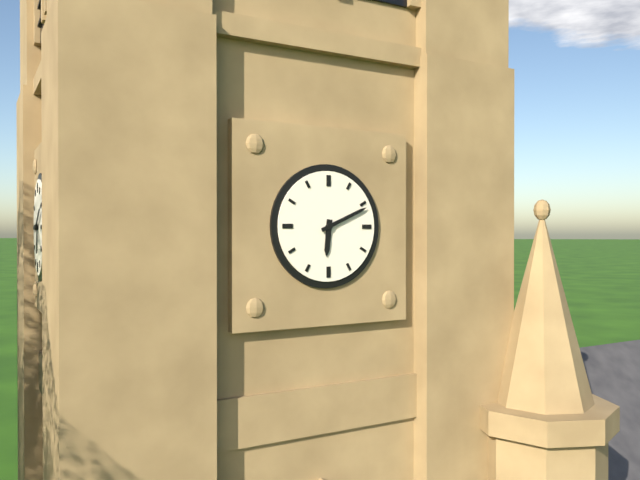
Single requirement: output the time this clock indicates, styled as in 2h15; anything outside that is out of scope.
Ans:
6h11
